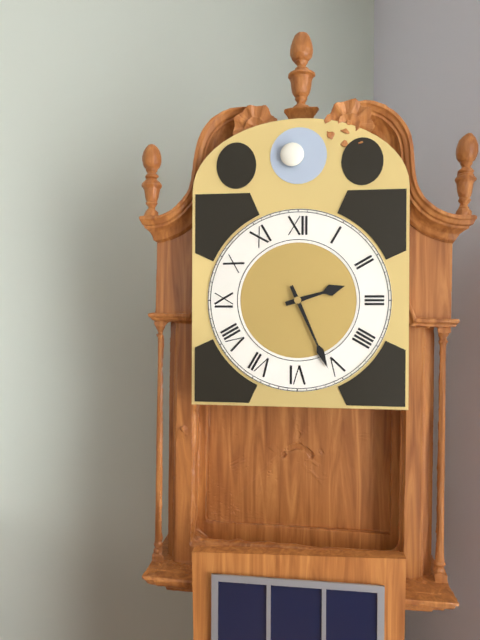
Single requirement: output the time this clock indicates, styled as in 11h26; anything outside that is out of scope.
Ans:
2h26
